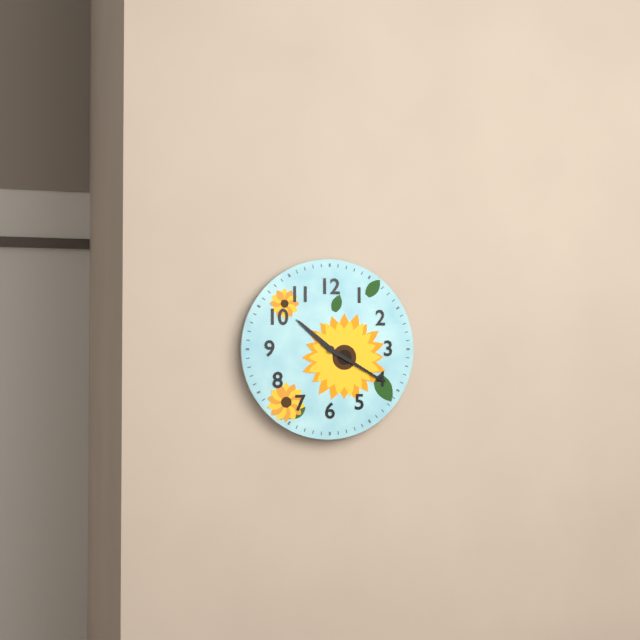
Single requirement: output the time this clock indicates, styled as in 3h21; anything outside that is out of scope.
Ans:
10h20
